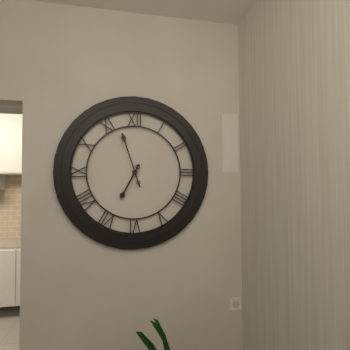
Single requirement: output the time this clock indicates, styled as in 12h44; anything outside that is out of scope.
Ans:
6h57
